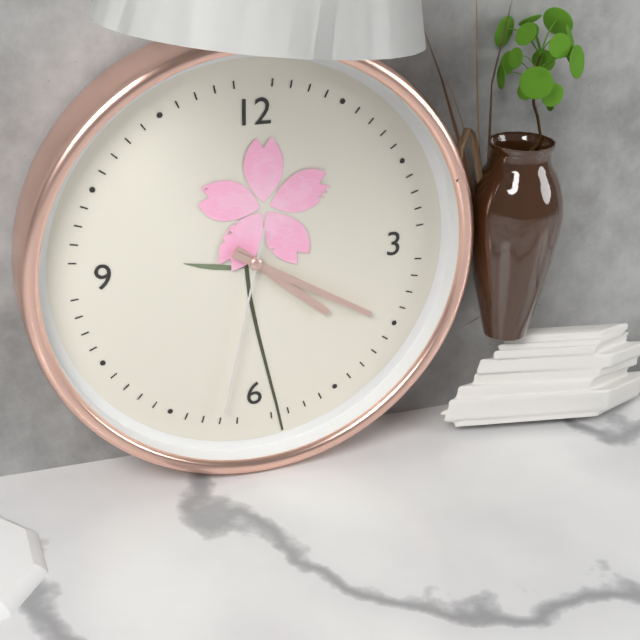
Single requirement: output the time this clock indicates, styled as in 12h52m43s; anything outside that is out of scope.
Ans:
4h20m32s
